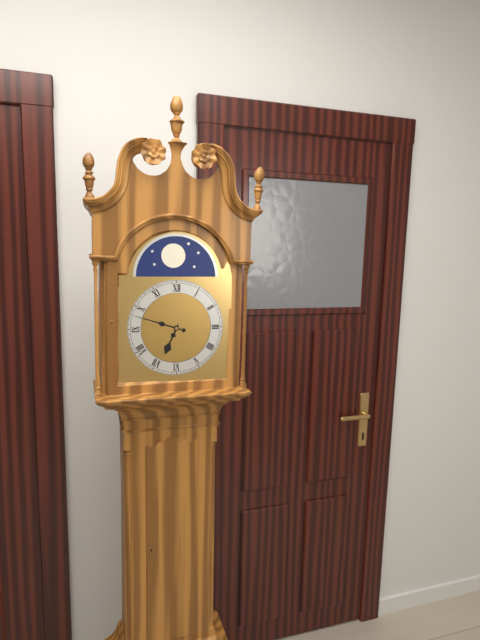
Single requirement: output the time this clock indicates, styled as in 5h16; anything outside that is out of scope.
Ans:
6h48
